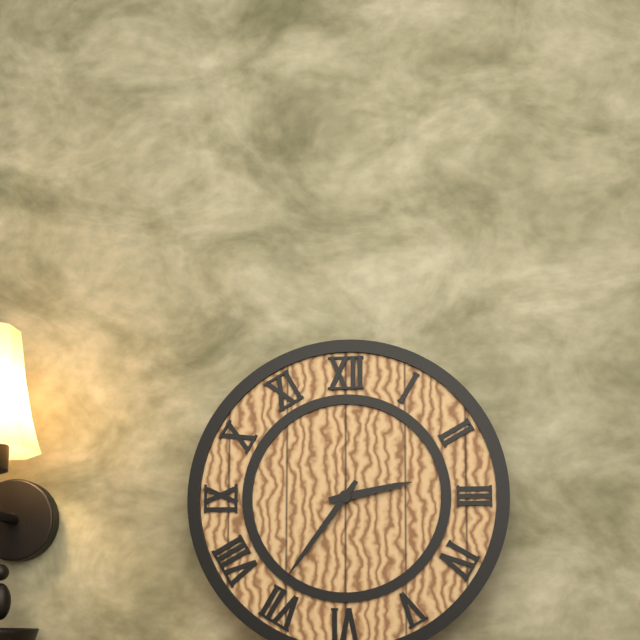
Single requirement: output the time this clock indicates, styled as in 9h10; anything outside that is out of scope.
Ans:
2h36
